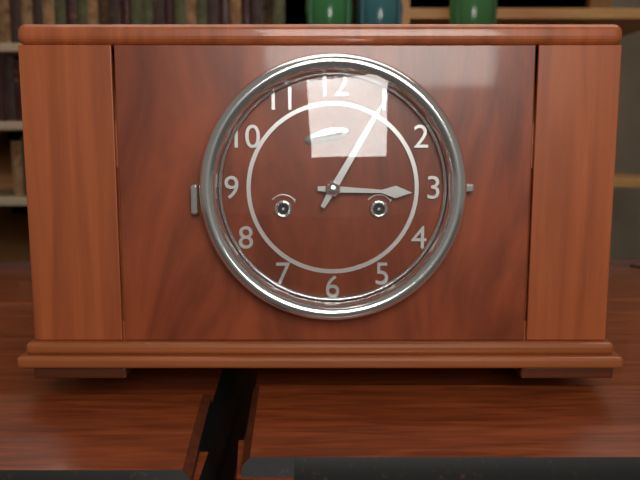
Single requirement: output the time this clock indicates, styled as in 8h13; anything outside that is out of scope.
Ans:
3h05
